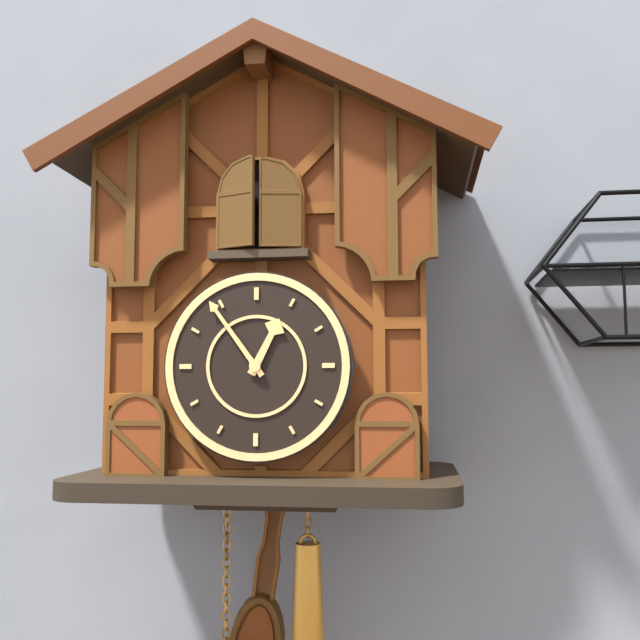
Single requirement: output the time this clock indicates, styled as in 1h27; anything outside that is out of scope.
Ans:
12h54
